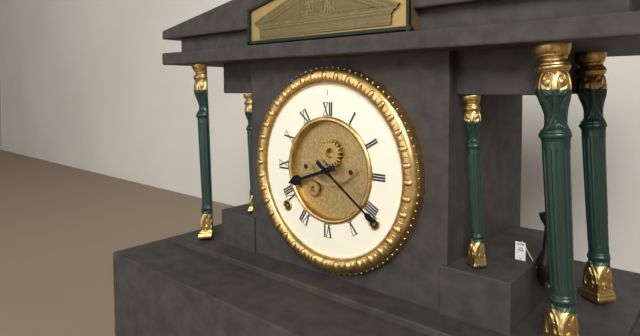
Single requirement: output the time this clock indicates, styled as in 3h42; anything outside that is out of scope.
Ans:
8h21
